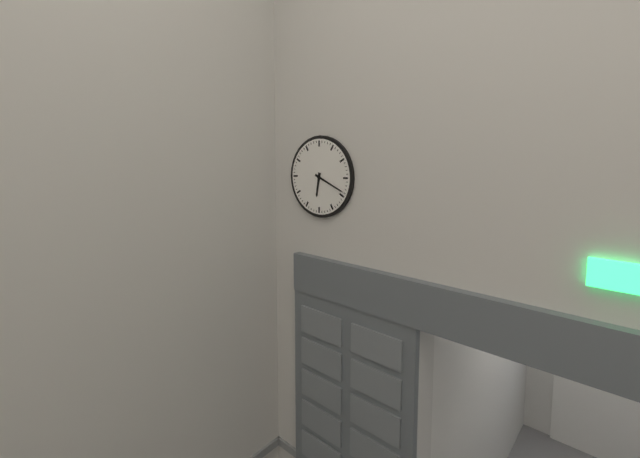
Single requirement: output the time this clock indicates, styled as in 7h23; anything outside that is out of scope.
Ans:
6h19
